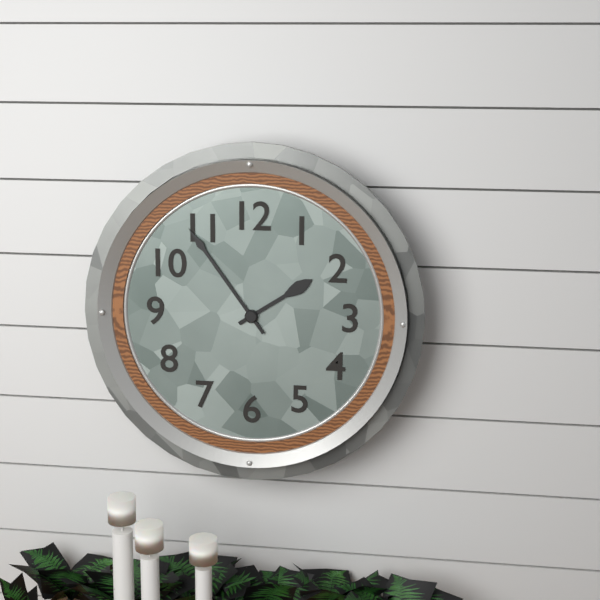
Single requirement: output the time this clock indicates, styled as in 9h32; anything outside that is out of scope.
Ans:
1h54
